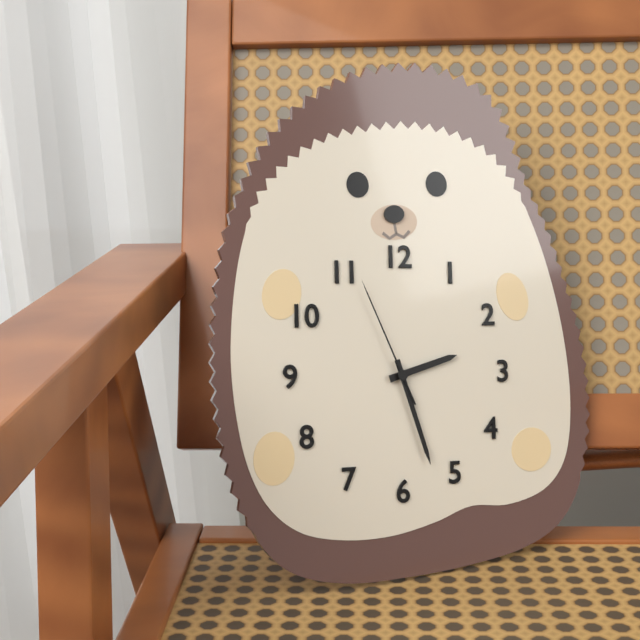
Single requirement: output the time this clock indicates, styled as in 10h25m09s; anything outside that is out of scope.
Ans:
2h27m56s
